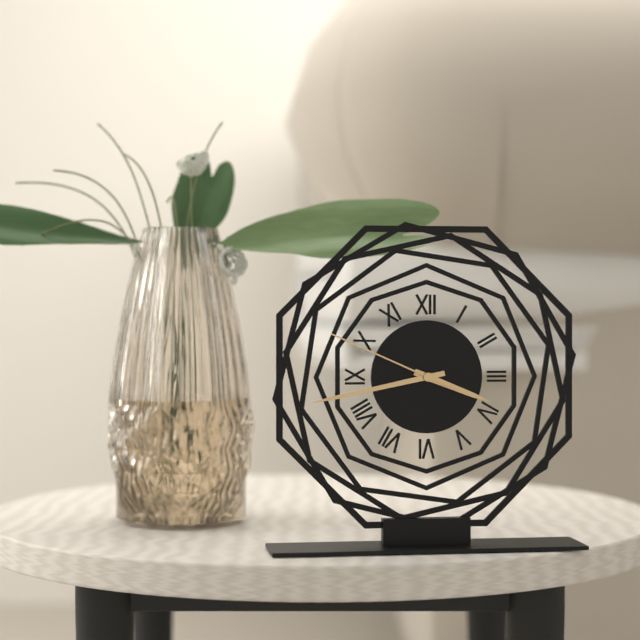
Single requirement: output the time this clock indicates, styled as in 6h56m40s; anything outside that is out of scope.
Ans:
3h43m49s
